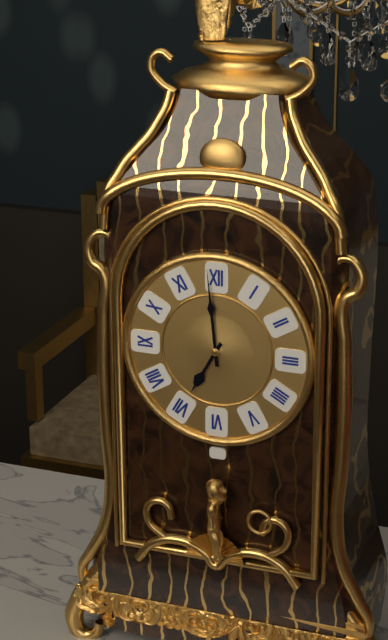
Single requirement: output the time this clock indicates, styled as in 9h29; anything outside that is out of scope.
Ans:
6h59
